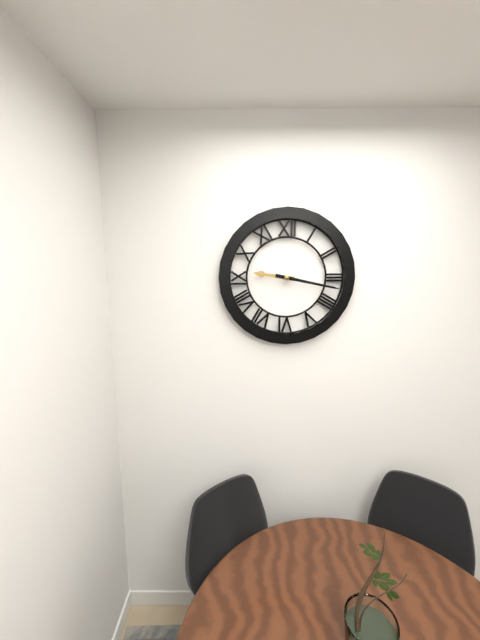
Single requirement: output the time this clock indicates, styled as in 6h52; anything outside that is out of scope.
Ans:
9h17
